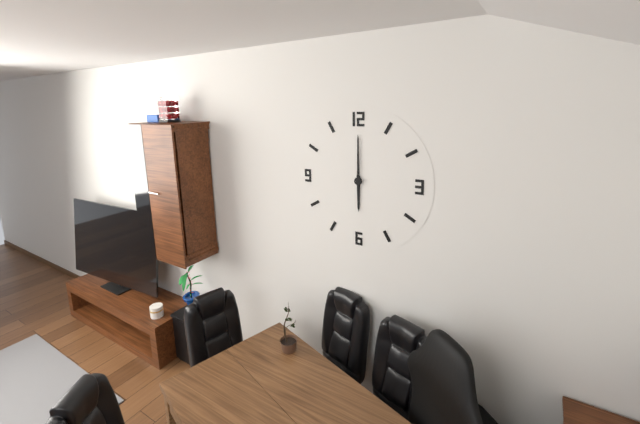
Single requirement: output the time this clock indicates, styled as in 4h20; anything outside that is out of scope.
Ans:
6h00
